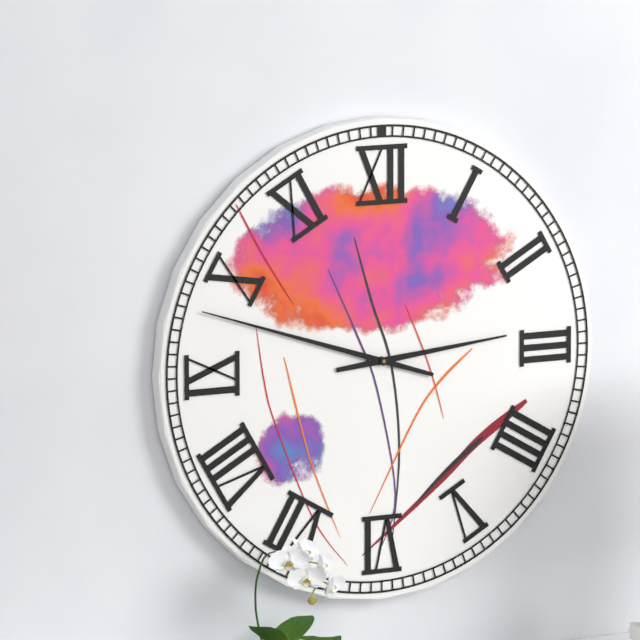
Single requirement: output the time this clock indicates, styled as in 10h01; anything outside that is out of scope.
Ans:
2h48
